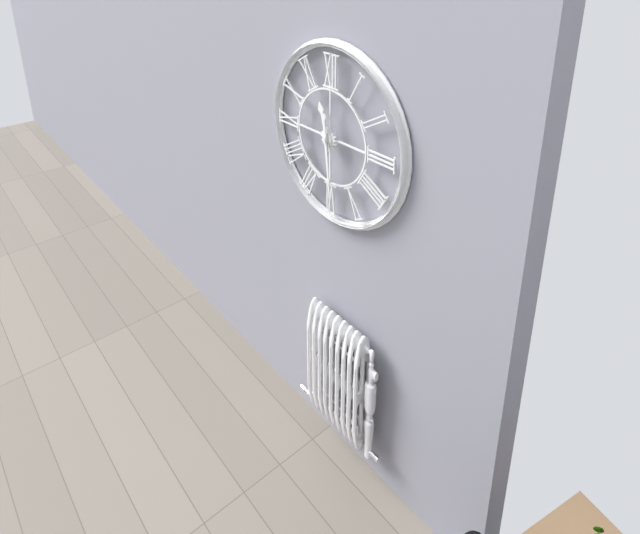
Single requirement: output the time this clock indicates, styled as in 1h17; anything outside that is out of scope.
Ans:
11h29
